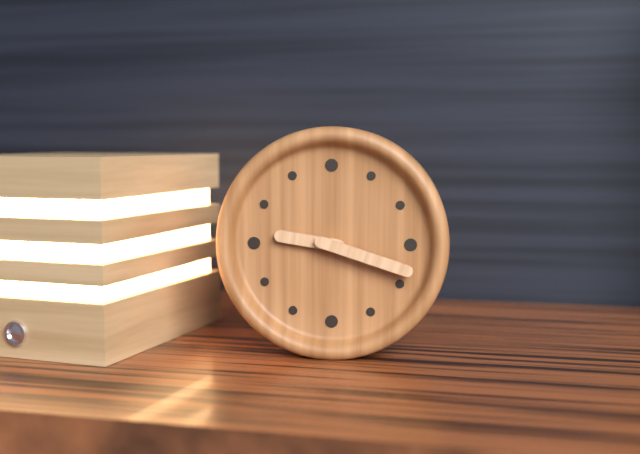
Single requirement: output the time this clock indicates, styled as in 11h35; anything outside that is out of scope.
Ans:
9h18
